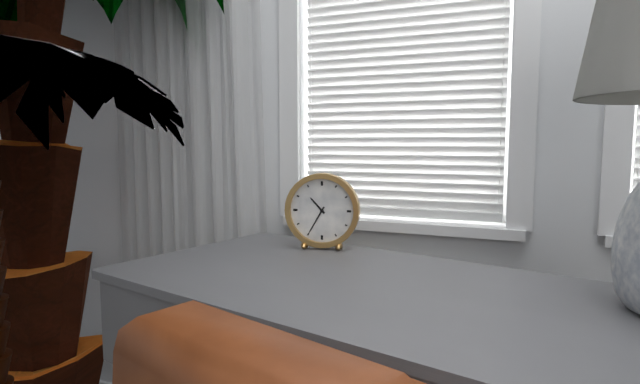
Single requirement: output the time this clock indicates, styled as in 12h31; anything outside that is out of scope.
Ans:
10h35
